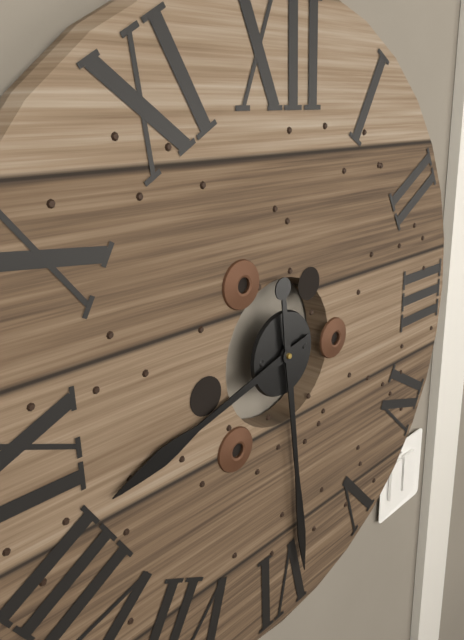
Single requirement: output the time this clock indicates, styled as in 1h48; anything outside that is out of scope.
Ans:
8h29
